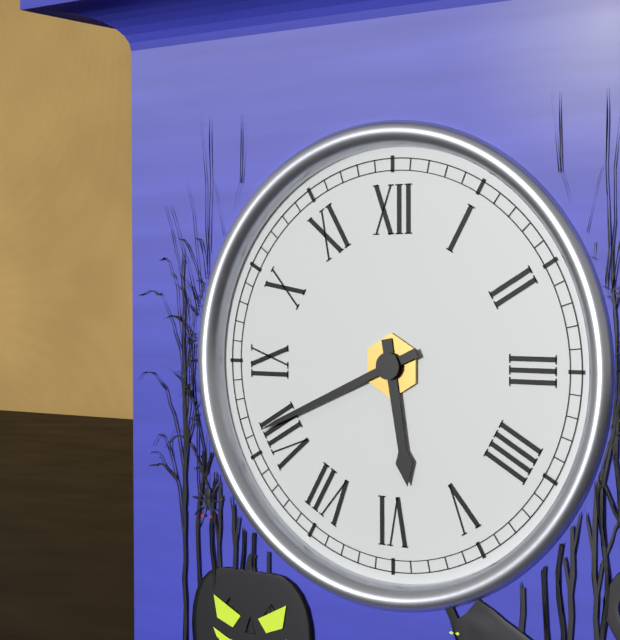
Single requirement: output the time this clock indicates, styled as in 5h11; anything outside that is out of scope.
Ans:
5h41
